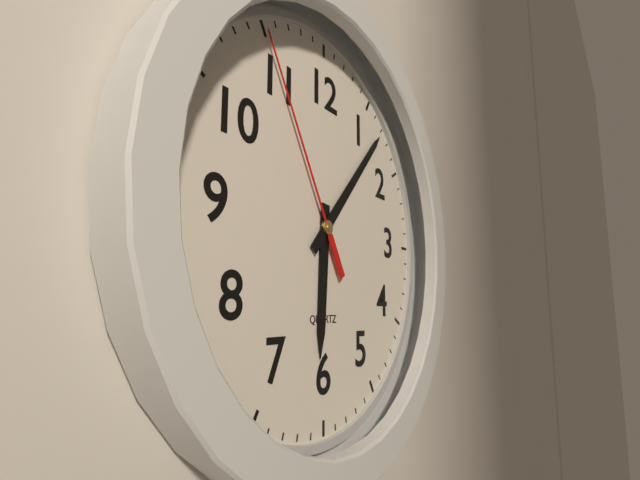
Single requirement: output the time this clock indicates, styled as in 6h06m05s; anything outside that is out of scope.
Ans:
6h07m55s
